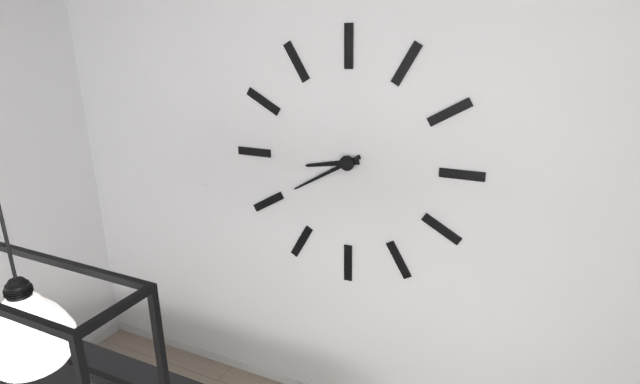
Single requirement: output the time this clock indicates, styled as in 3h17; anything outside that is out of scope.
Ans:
8h40
